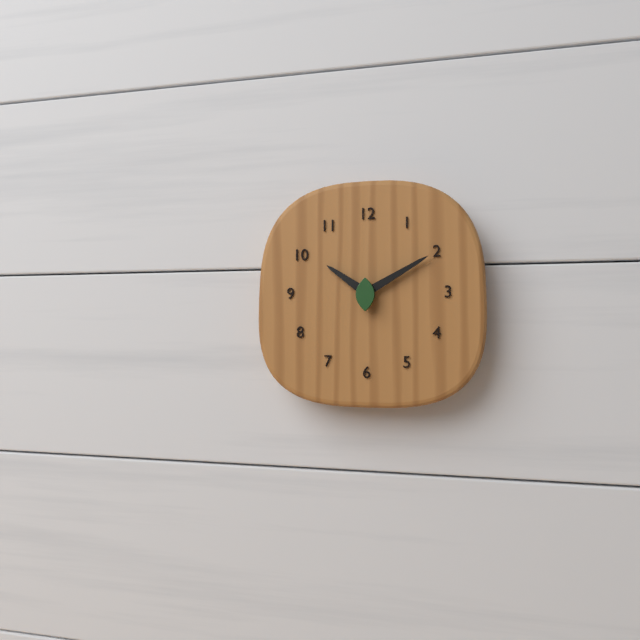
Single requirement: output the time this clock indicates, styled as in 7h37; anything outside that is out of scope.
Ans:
10h10
